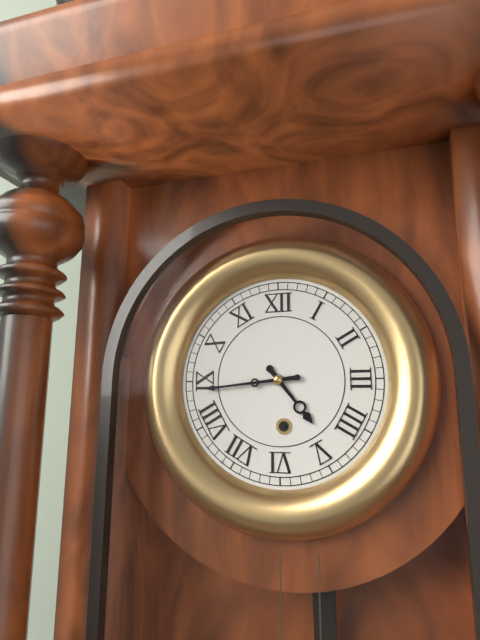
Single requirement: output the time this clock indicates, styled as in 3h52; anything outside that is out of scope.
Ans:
4h44
